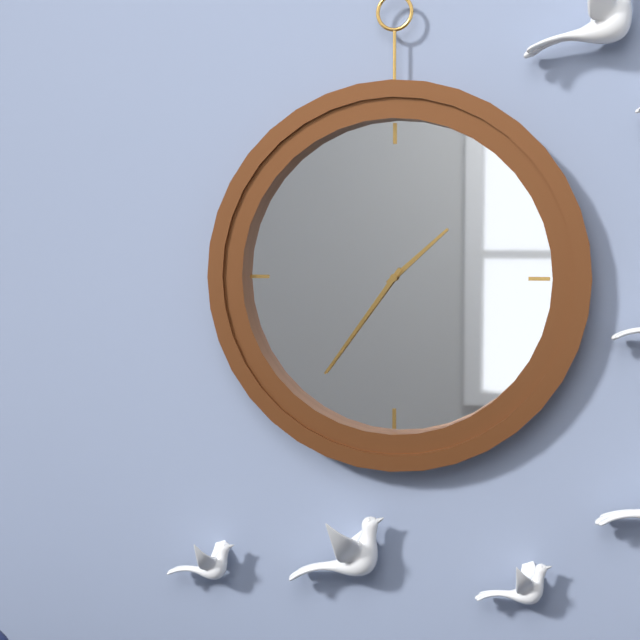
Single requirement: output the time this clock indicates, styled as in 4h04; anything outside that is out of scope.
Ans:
1h36
